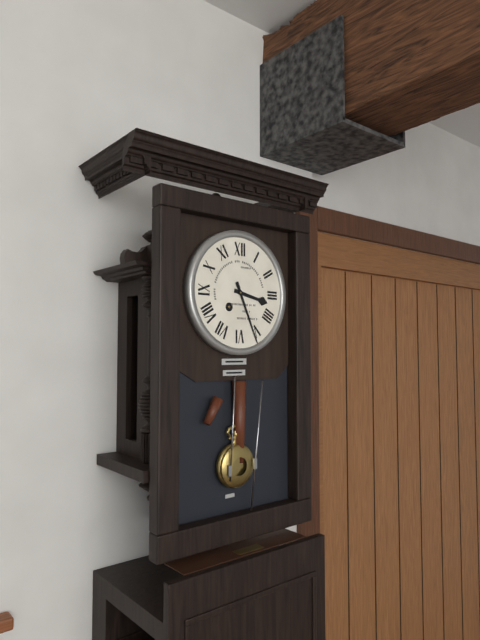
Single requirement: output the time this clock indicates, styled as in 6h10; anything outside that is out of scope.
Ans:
3h26
